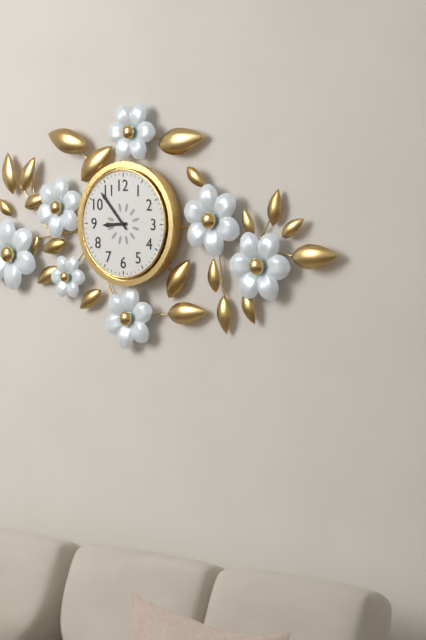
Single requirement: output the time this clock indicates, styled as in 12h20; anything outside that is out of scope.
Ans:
8h53
